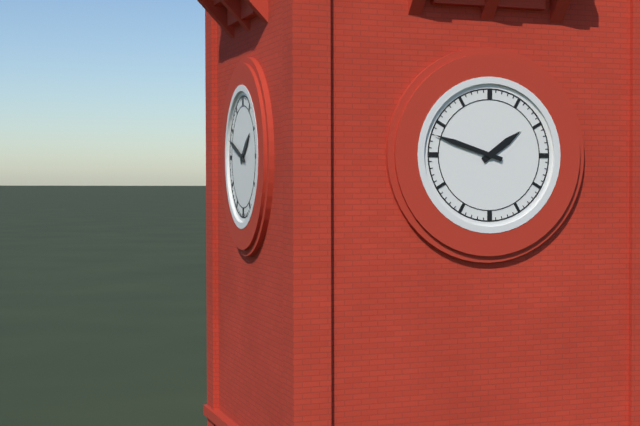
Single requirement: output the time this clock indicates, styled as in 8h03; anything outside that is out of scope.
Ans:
1h48
